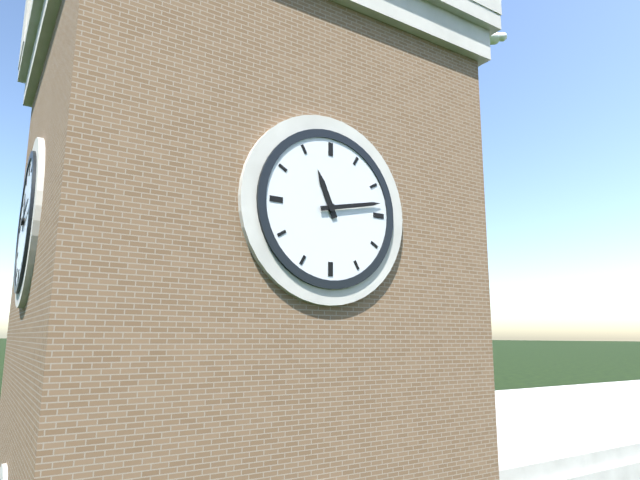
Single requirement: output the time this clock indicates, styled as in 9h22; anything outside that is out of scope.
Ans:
11h13
